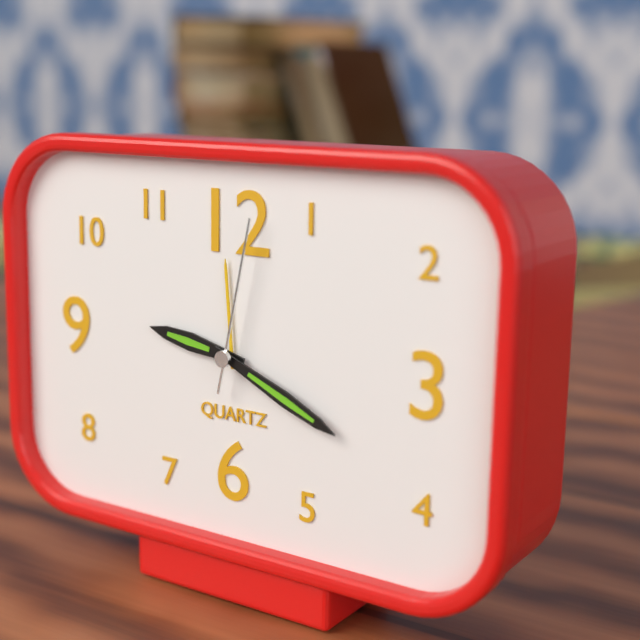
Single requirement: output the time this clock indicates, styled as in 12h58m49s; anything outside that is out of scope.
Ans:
9h19m02s
